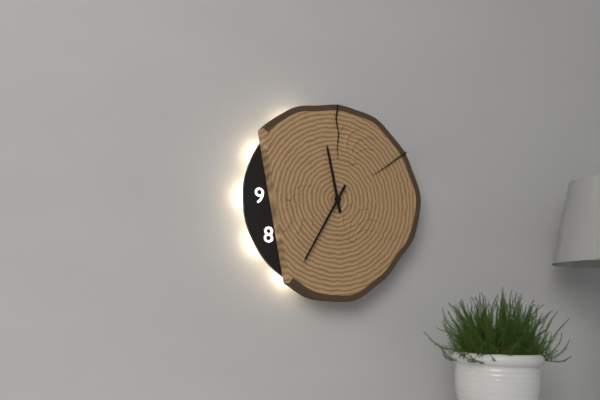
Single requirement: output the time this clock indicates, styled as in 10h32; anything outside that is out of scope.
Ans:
11h35
